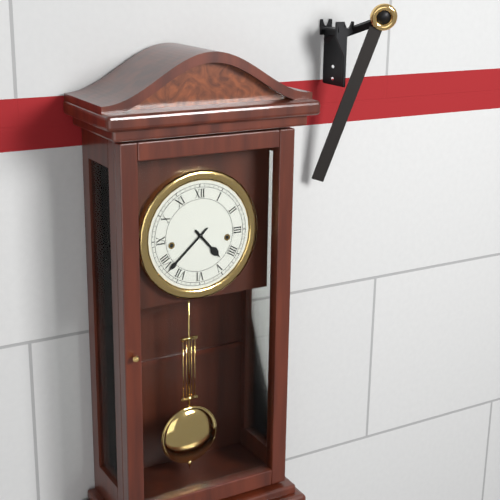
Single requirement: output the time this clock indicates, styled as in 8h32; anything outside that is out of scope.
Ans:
4h38
